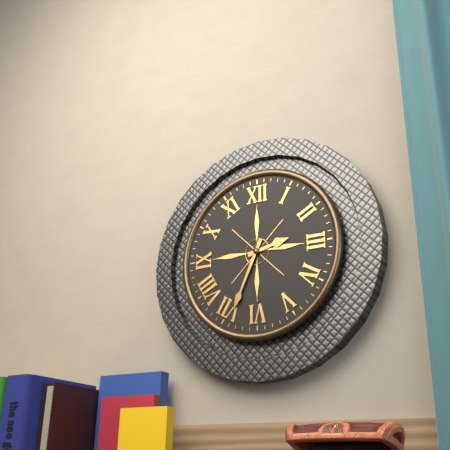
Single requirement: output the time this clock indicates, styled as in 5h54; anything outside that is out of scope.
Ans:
2h34
